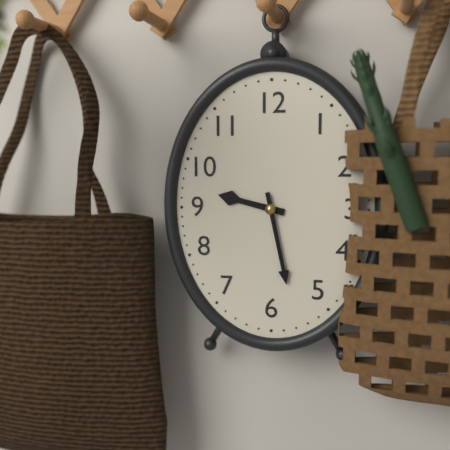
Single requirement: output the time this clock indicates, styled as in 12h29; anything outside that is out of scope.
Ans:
9h28
